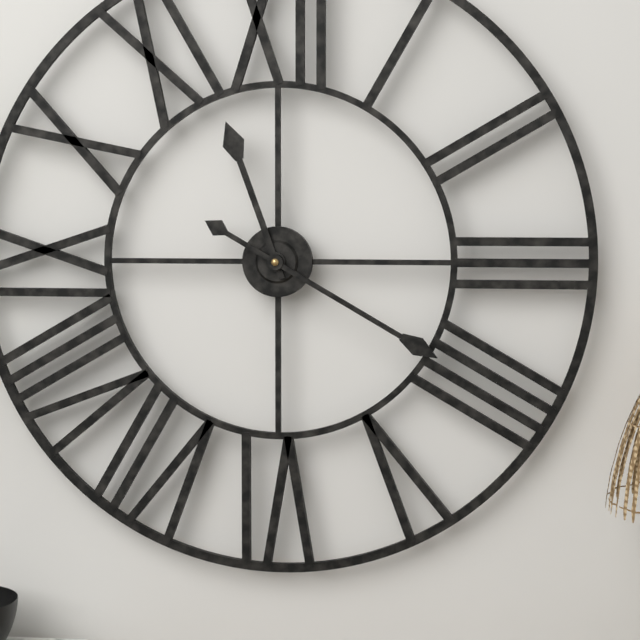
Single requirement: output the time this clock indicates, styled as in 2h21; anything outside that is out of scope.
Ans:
11h20
